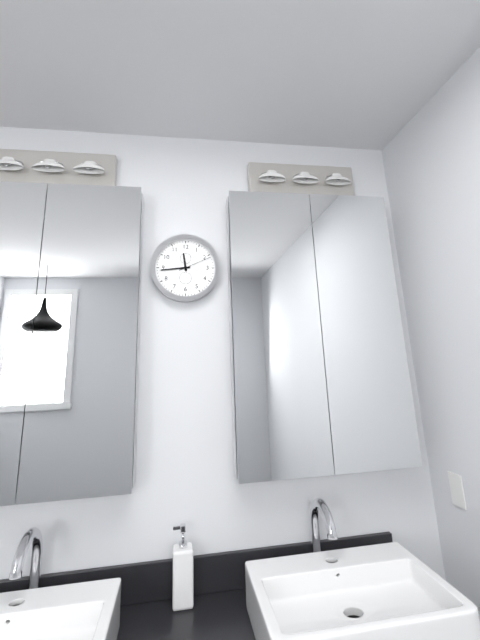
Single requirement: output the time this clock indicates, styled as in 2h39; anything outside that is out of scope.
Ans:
11h44
